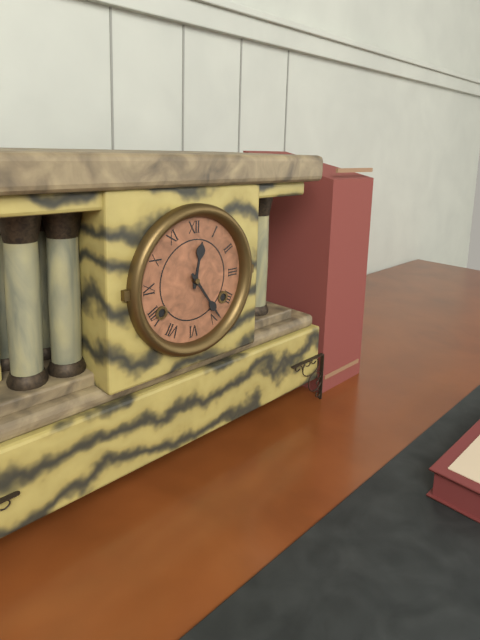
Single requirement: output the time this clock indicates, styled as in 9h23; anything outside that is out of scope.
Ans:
12h24
